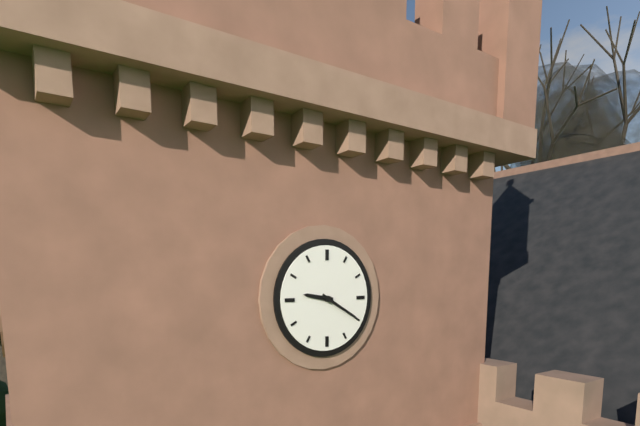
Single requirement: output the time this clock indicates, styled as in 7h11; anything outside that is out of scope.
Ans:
9h20
